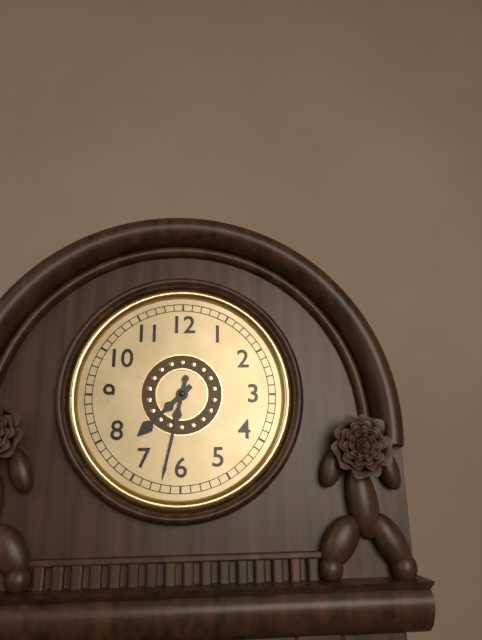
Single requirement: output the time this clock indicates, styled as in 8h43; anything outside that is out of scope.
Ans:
7h32
